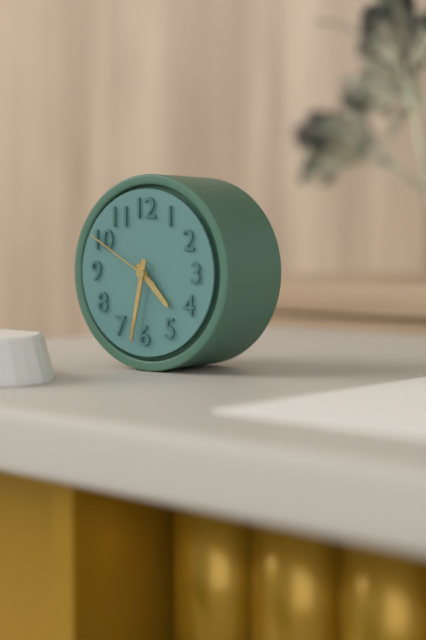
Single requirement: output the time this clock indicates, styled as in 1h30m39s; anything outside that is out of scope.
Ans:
4h32m50s
